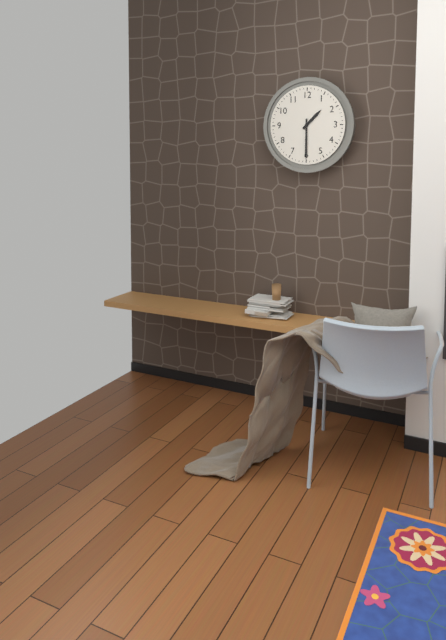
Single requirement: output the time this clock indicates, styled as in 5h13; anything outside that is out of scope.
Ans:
1h30
